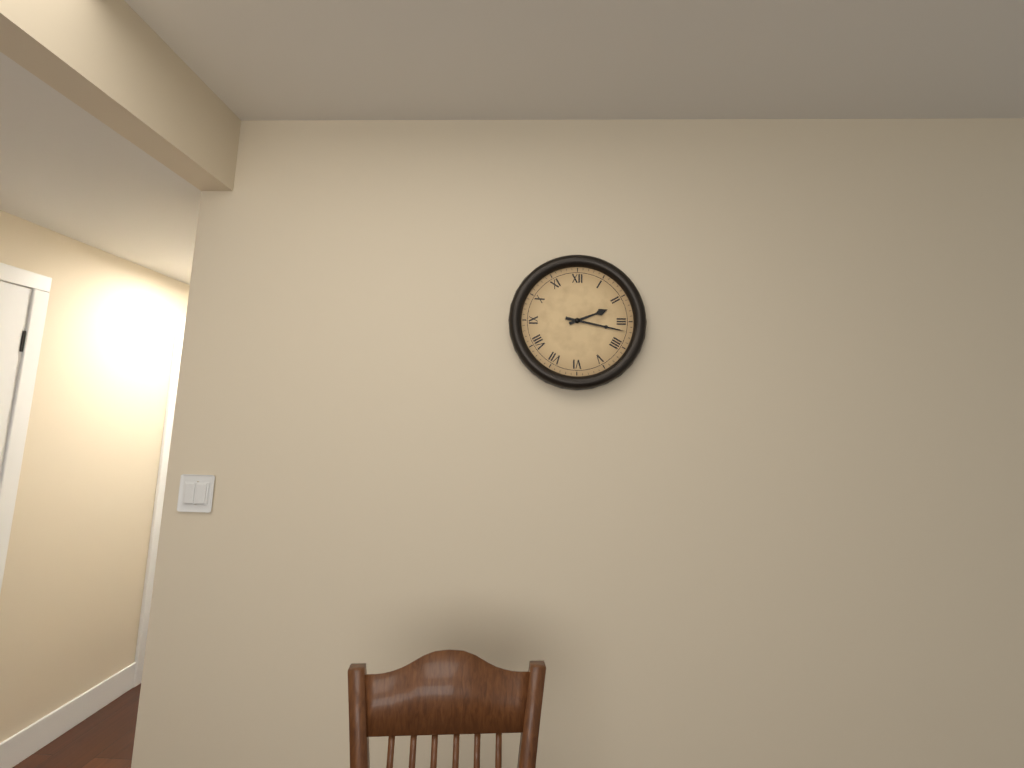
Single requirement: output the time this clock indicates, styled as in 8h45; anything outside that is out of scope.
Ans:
2h17
